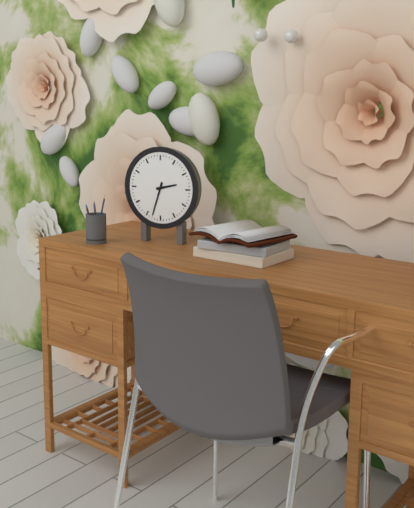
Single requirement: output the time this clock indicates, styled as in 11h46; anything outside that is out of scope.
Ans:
2h33
